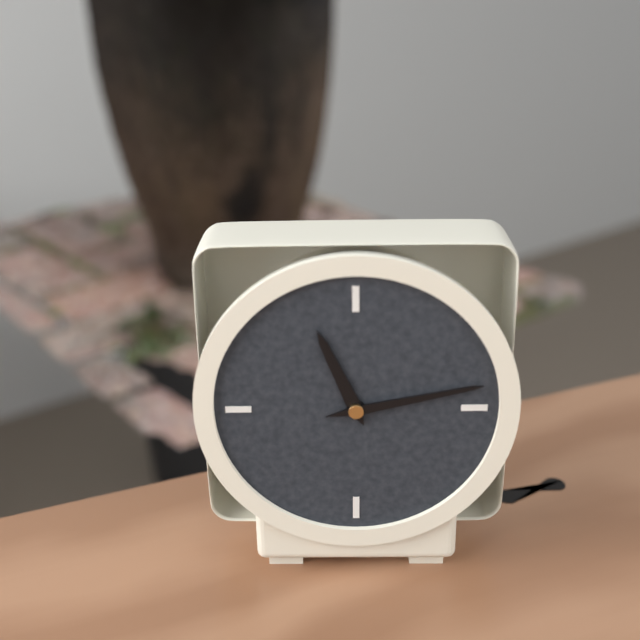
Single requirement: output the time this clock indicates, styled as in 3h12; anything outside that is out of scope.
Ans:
11h13
